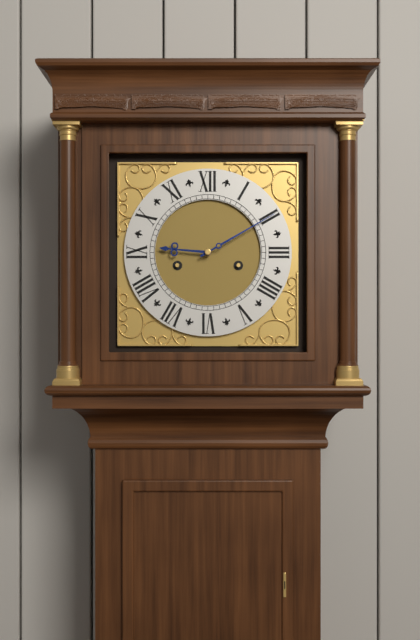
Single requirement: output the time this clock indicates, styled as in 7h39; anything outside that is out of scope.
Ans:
9h10
